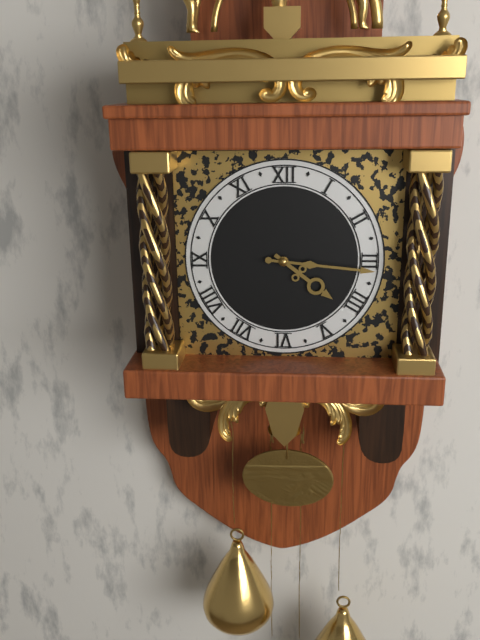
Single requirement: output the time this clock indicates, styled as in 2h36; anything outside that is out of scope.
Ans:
4h16
